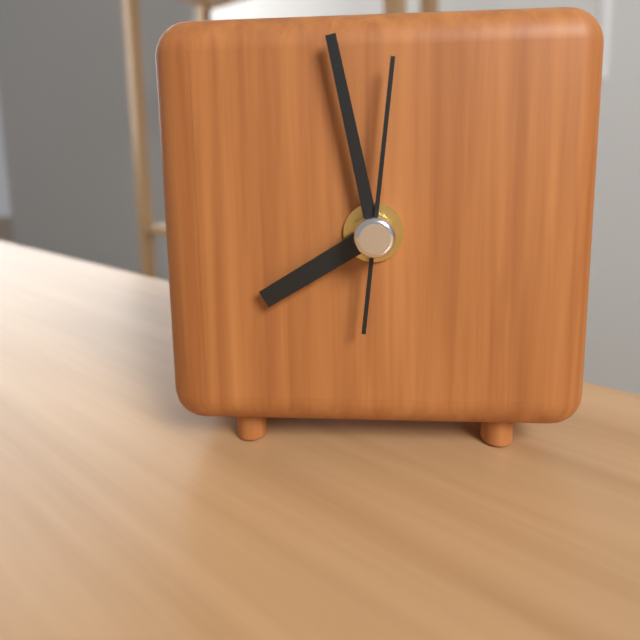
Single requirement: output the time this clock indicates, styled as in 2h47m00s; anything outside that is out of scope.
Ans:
7h58m01s
